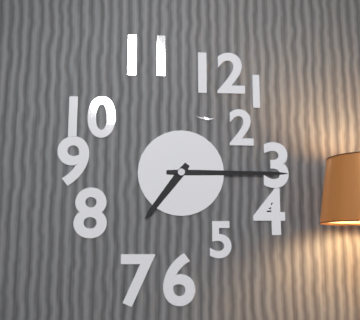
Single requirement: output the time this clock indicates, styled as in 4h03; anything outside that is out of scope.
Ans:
7h15
